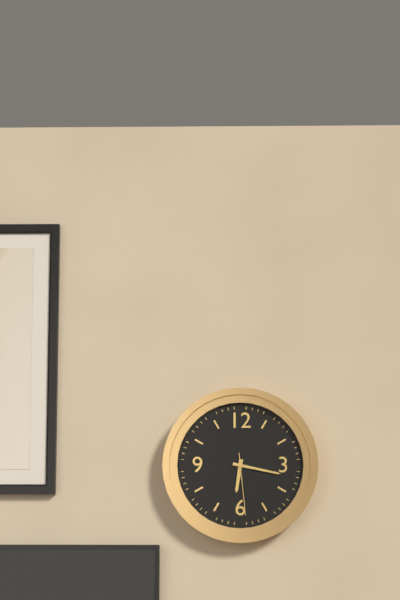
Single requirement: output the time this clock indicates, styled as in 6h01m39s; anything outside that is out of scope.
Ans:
6h17m29s
